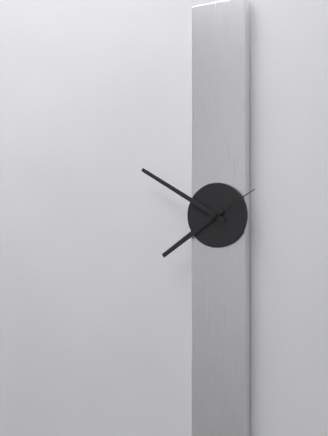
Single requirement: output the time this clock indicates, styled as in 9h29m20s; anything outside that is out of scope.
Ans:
7h50m10s
